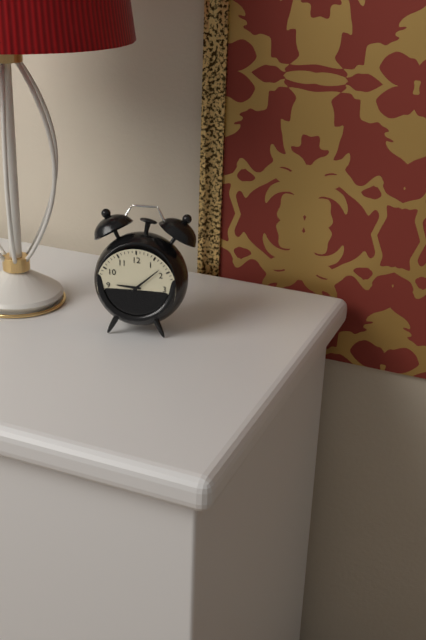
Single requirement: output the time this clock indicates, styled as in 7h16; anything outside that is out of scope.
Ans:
9h08
